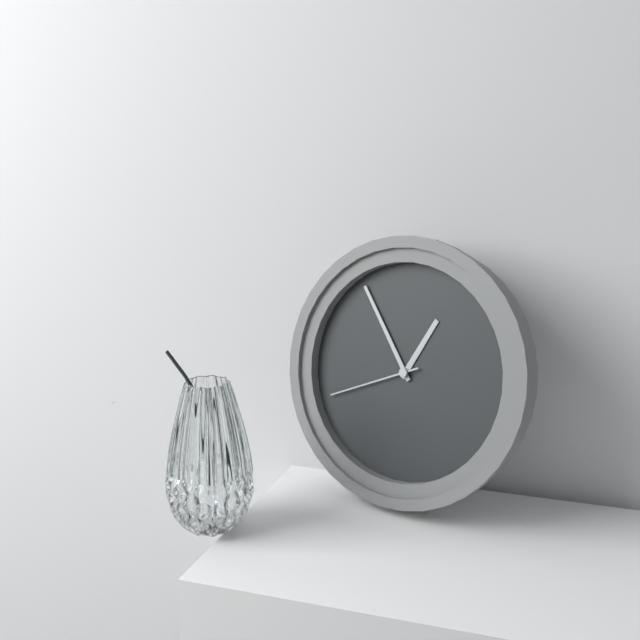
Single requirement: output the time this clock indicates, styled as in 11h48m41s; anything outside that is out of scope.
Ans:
12h54m41s
